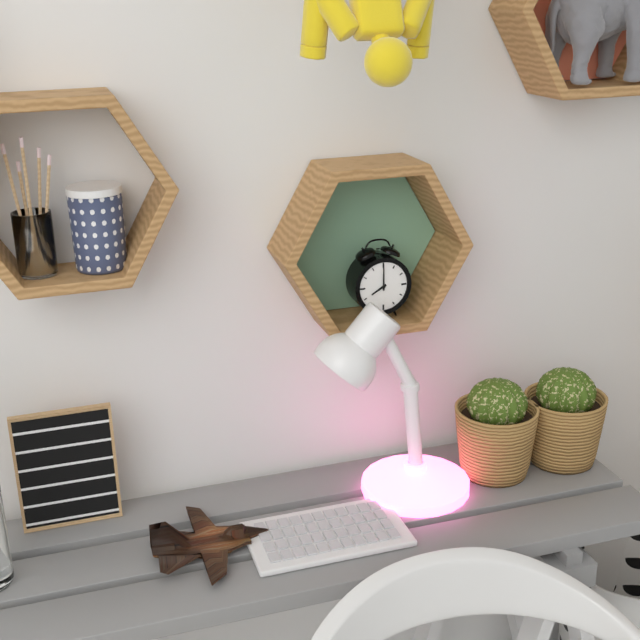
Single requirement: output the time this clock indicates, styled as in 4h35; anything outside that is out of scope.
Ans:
8h00
